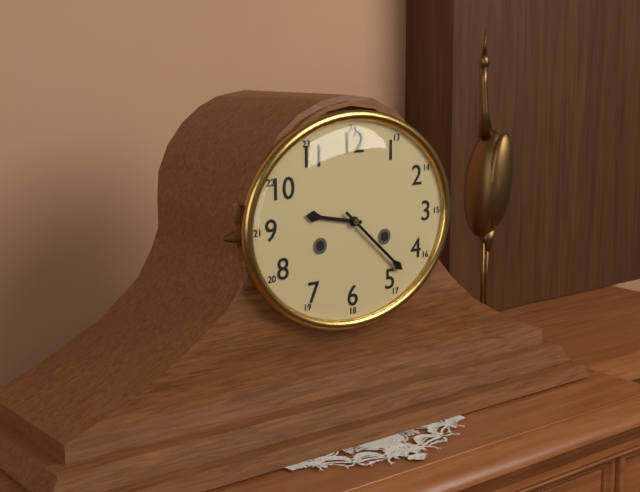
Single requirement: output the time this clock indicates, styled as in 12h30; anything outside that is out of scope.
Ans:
9h22
